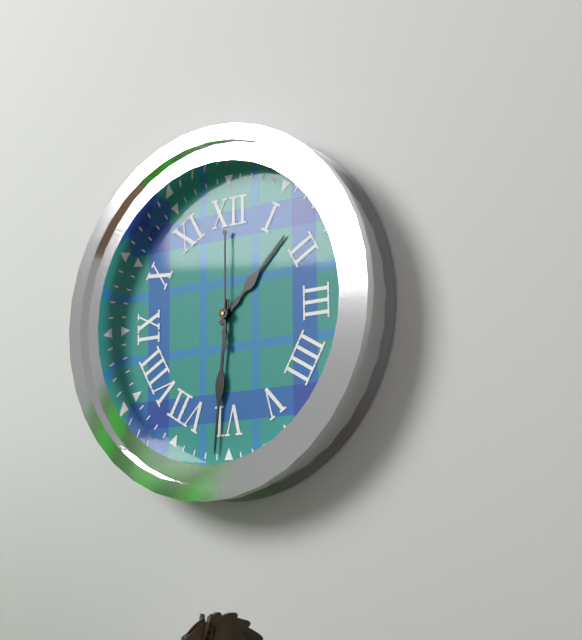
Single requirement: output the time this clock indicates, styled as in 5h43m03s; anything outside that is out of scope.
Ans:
1h31m00s
